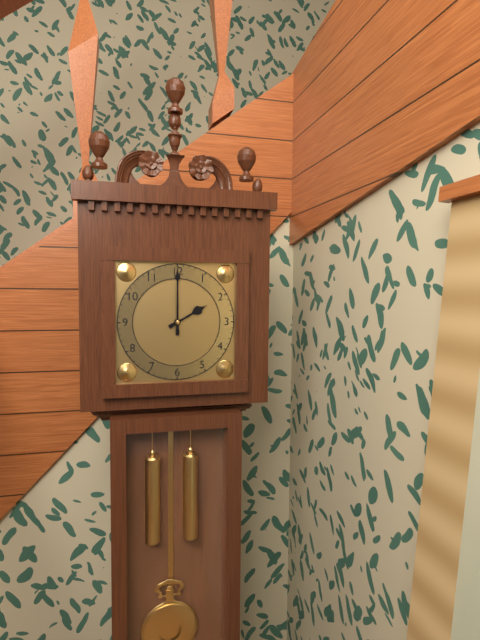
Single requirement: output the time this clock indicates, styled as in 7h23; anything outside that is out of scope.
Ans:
2h00
